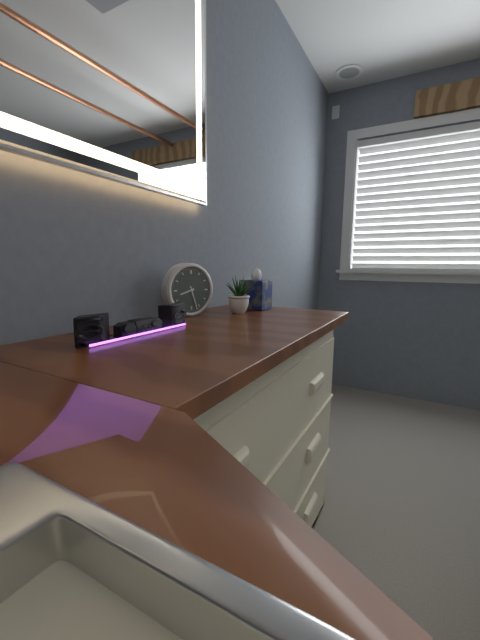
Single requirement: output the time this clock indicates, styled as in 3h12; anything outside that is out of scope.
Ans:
8h27
